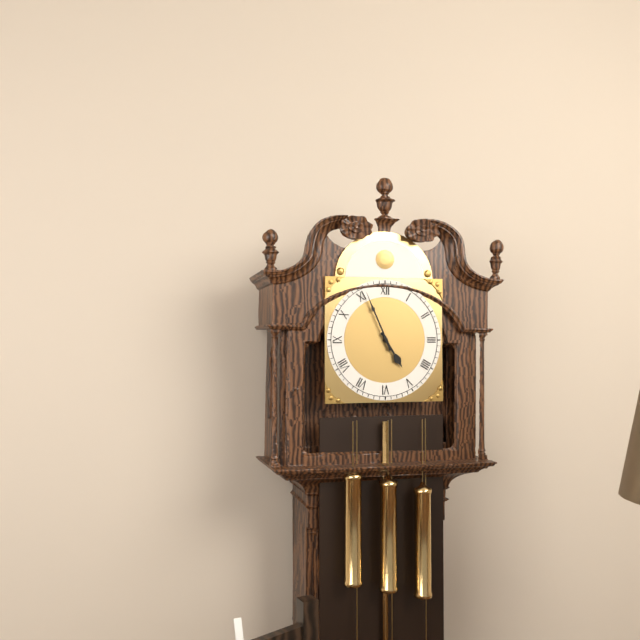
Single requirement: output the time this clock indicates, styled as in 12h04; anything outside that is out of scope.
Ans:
4h56
